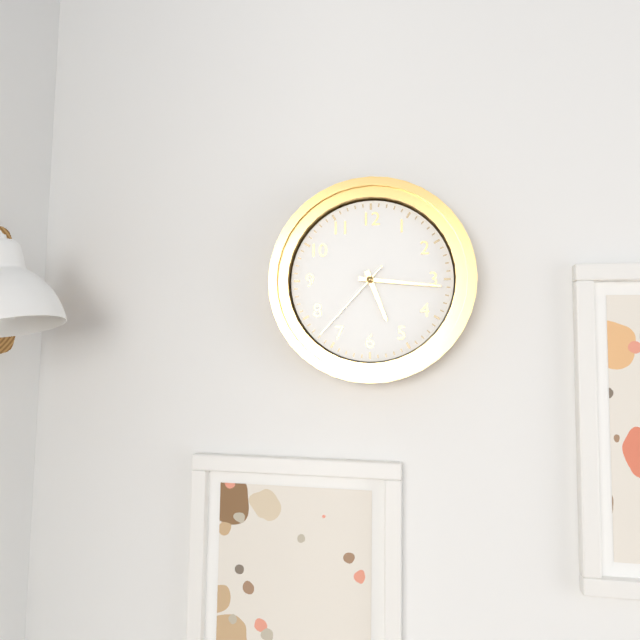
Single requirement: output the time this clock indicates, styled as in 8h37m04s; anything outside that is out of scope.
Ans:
5h16m37s
